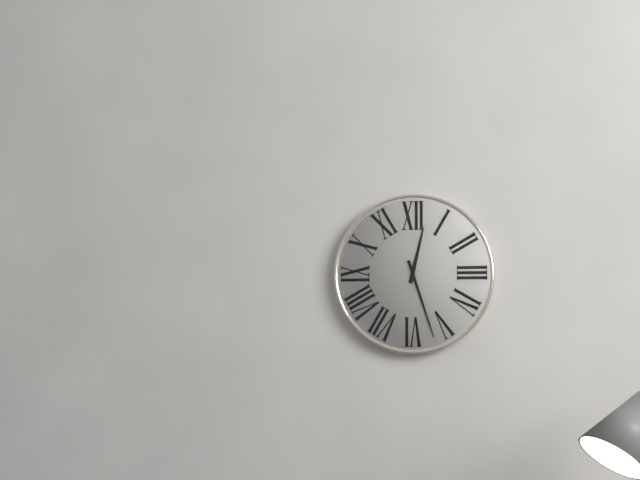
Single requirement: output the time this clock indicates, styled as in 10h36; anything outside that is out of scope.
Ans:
12h27
